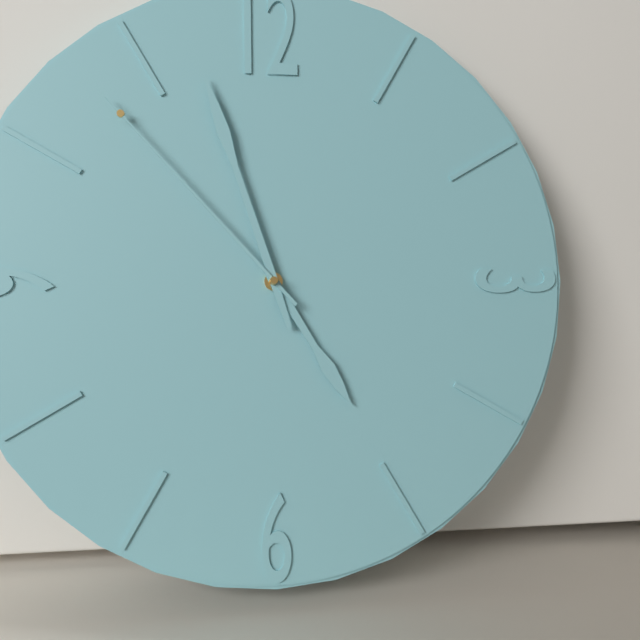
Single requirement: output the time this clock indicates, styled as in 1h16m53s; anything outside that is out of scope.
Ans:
4h57m53s
